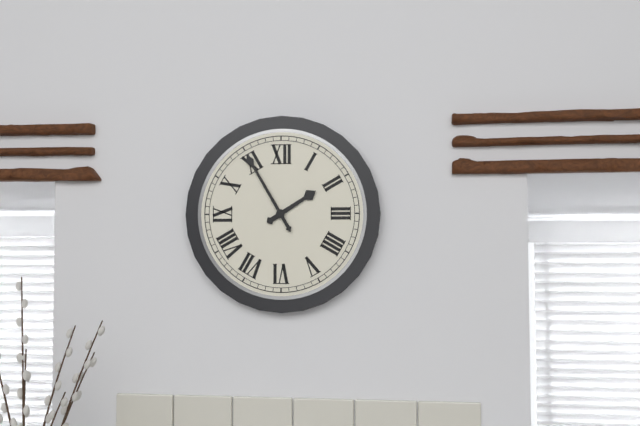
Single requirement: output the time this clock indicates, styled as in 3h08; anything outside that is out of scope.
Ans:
1h55
